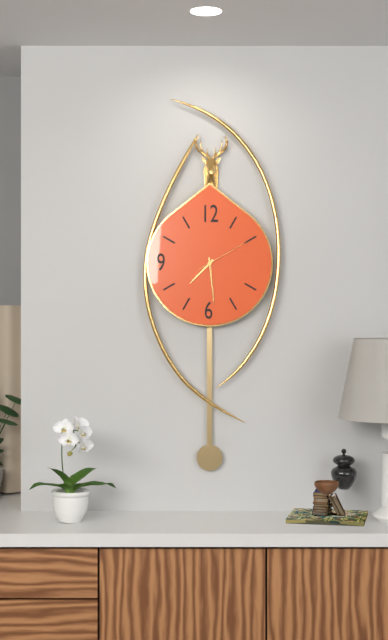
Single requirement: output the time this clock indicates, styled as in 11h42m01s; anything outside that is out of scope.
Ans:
7h29m10s
